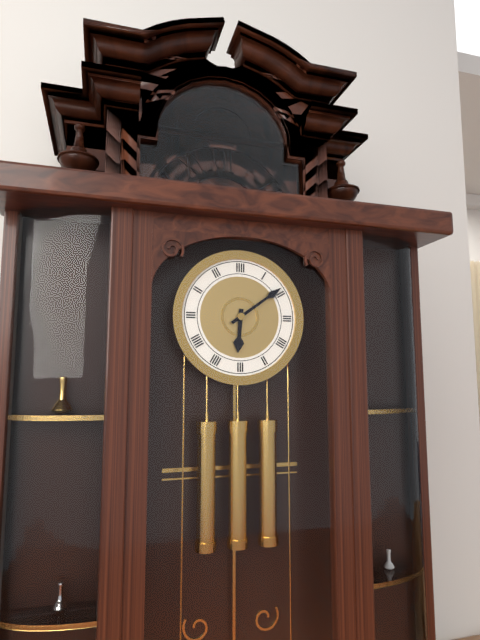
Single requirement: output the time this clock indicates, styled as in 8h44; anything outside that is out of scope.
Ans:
6h09
